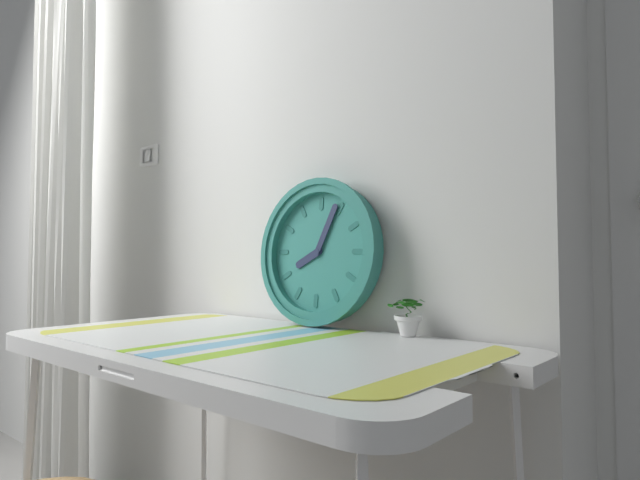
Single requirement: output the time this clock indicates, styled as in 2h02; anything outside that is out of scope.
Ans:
8h04
